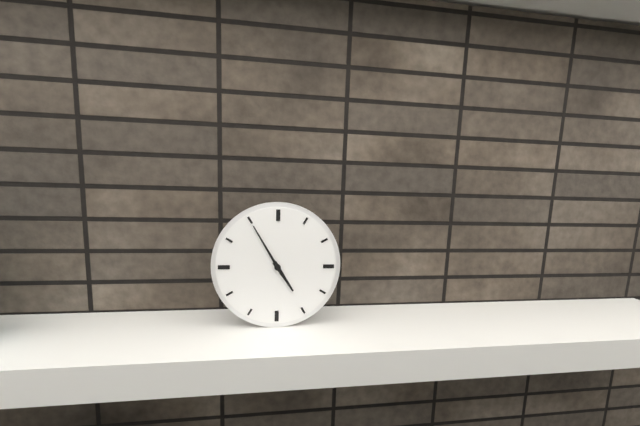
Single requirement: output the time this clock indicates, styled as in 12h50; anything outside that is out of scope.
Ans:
4h55
